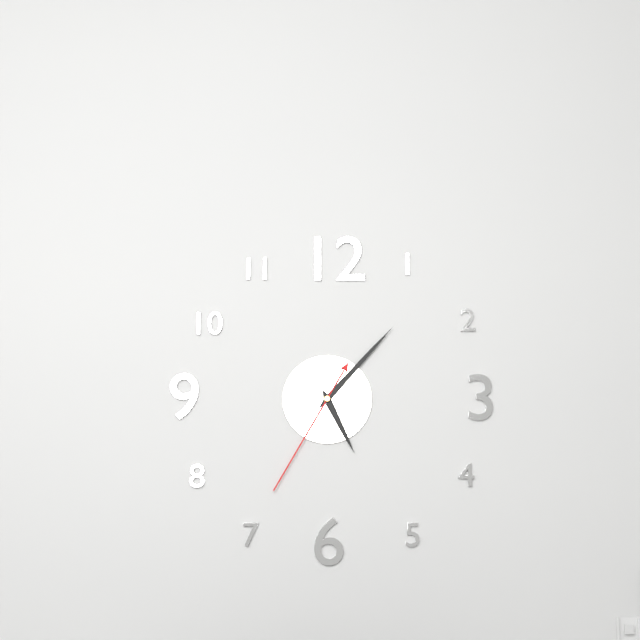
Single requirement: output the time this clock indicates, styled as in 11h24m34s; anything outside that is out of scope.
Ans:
5h07m35s
